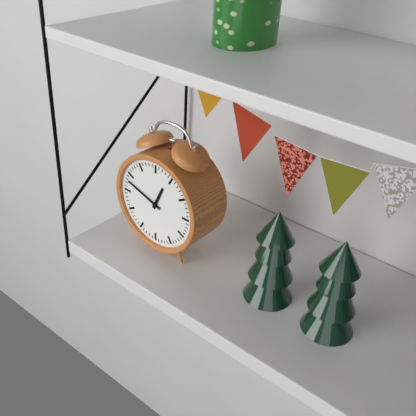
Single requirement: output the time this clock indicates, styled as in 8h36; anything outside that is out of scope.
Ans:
12h48
